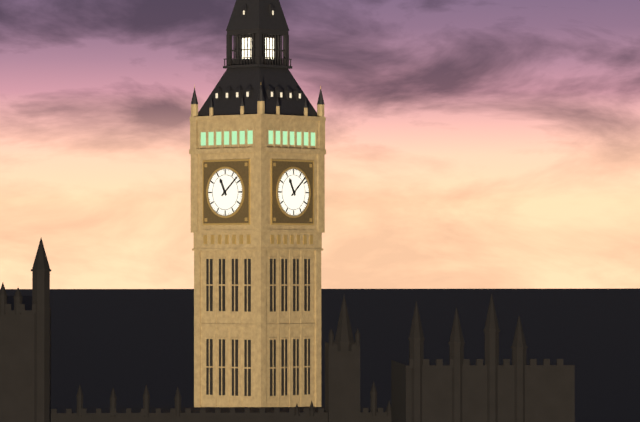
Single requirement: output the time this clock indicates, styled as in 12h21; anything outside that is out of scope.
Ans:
11h08
